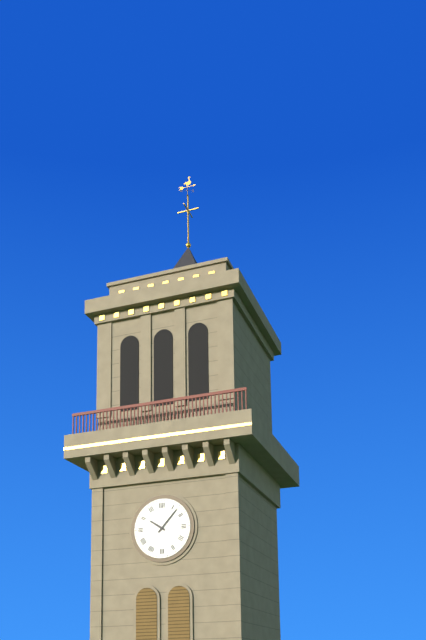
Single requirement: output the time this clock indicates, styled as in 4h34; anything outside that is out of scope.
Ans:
10h07
